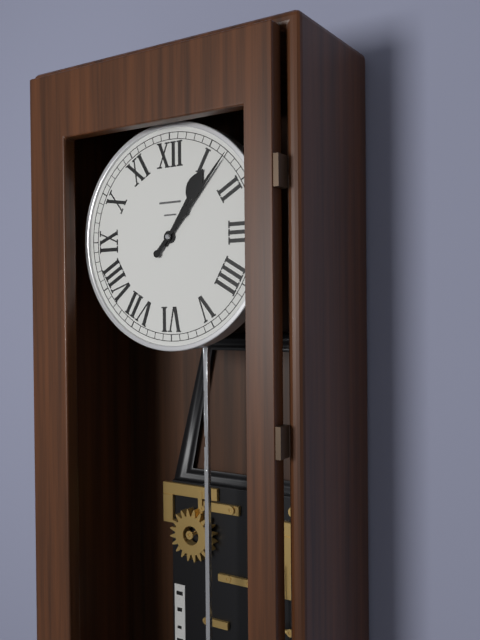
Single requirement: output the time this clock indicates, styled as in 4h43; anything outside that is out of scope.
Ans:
1h07
